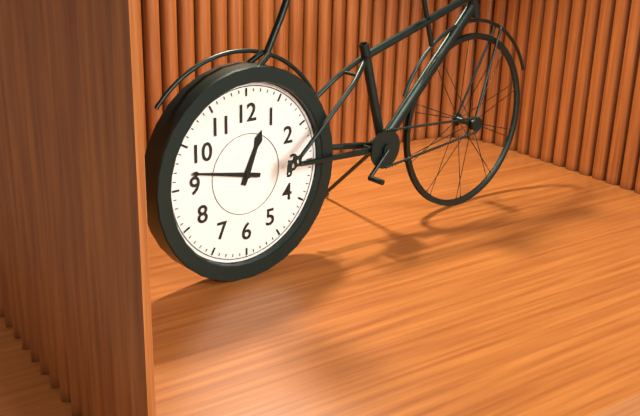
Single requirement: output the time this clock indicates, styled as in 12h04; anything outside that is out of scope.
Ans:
12h47
